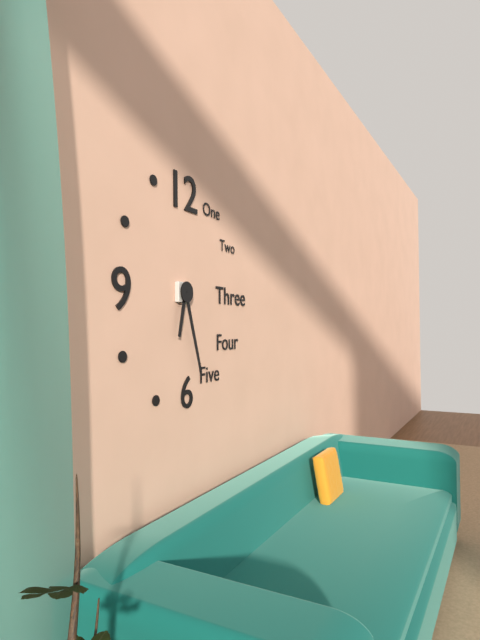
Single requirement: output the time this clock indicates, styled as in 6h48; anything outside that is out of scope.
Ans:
6h27
